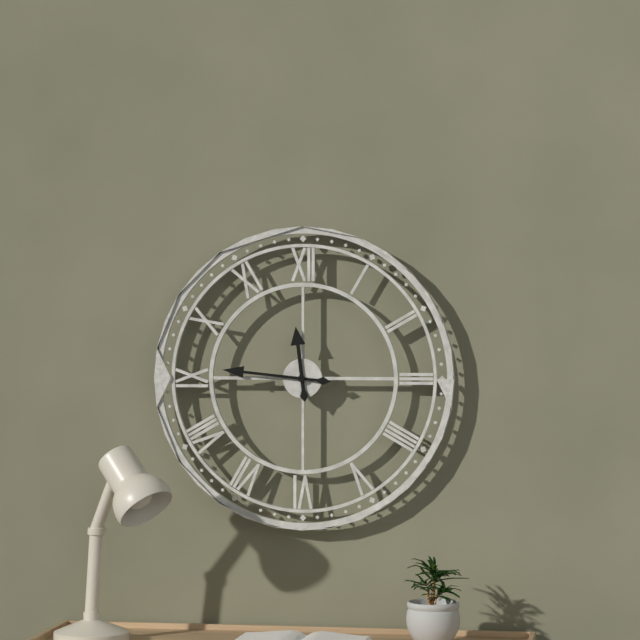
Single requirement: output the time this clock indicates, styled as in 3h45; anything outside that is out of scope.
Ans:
11h46
